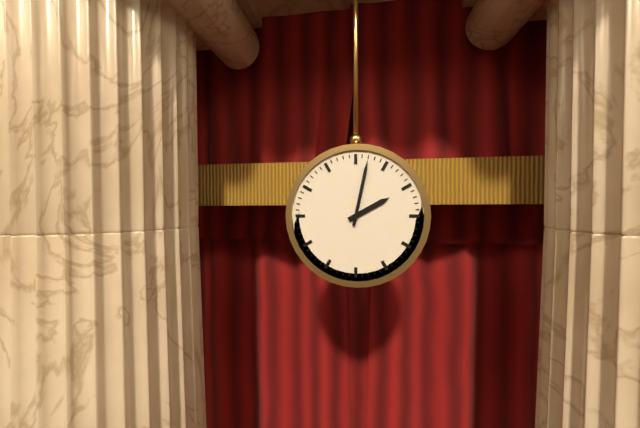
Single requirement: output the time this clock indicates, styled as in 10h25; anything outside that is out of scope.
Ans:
2h02
